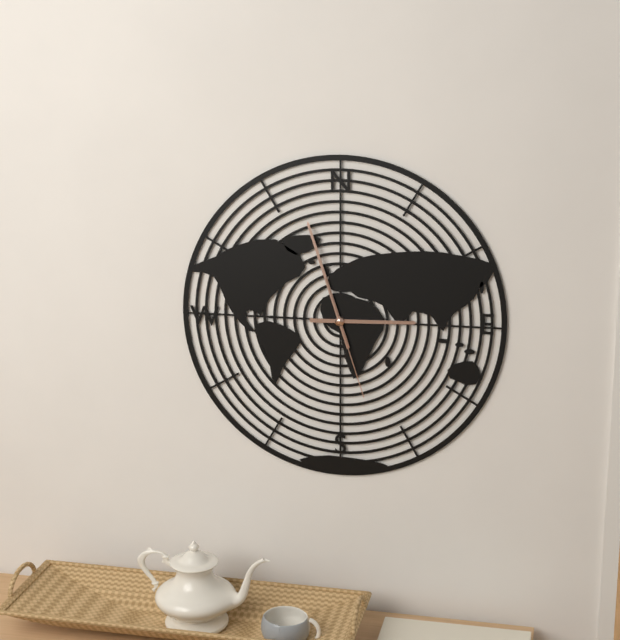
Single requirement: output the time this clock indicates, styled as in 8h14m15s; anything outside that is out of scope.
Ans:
2h57m27s
